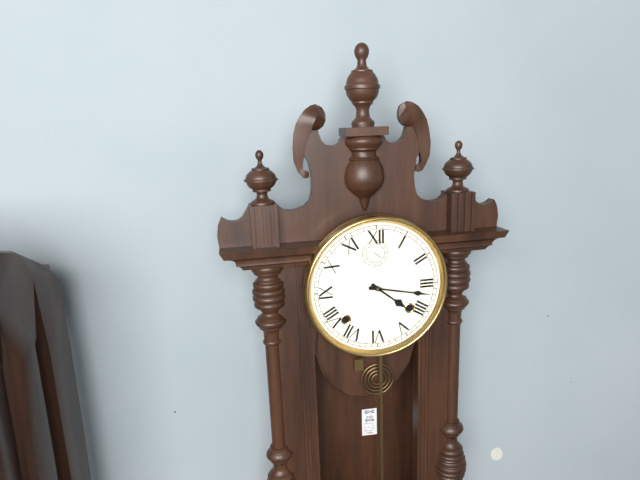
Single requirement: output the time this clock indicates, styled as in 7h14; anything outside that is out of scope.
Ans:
4h17
